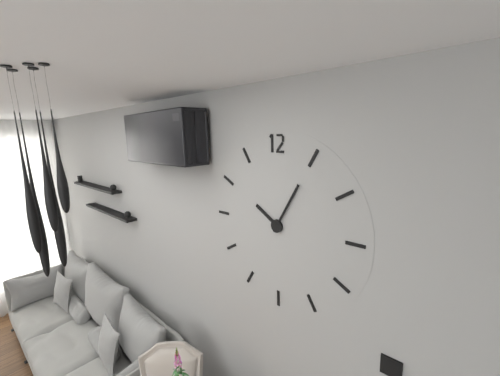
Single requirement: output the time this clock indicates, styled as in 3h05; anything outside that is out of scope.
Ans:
10h05
